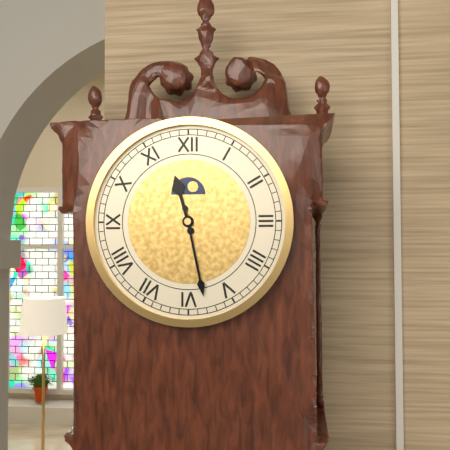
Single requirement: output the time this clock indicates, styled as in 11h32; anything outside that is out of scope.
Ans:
11h28
